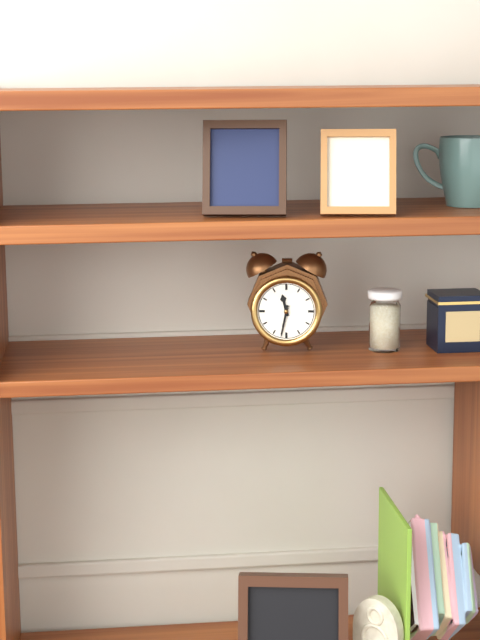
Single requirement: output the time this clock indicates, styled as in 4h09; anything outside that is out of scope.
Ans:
11h32
